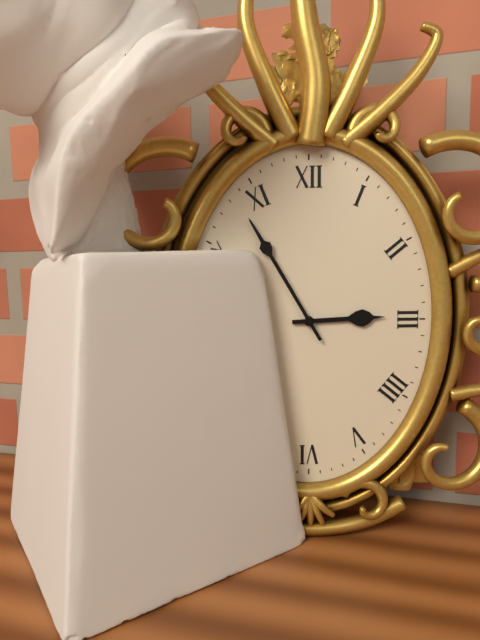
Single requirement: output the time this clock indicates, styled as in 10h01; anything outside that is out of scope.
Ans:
2h55
